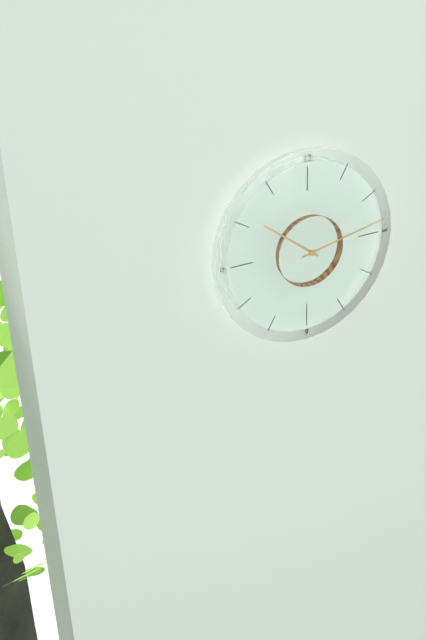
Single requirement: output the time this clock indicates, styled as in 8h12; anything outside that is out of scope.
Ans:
10h13
